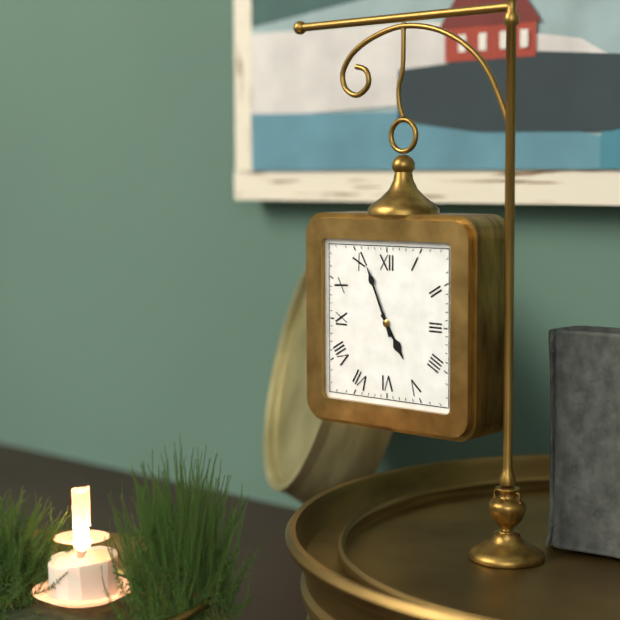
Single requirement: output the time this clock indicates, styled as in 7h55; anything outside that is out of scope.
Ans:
4h56
